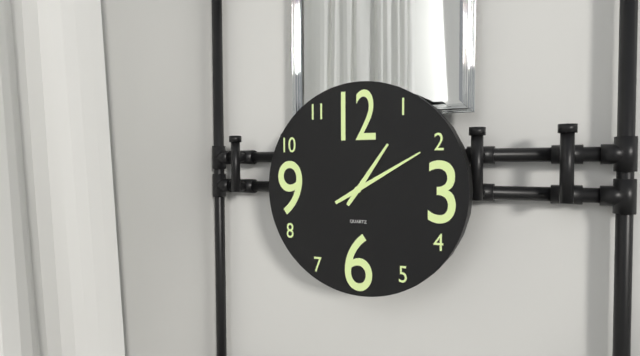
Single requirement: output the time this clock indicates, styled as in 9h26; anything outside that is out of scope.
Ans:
1h10
